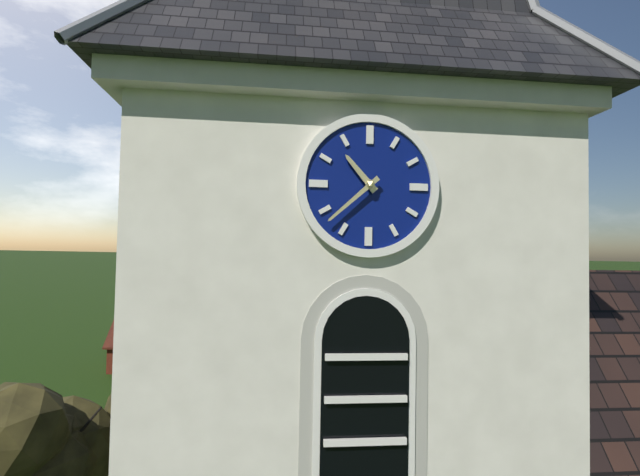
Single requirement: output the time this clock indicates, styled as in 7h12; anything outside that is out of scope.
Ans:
10h38
